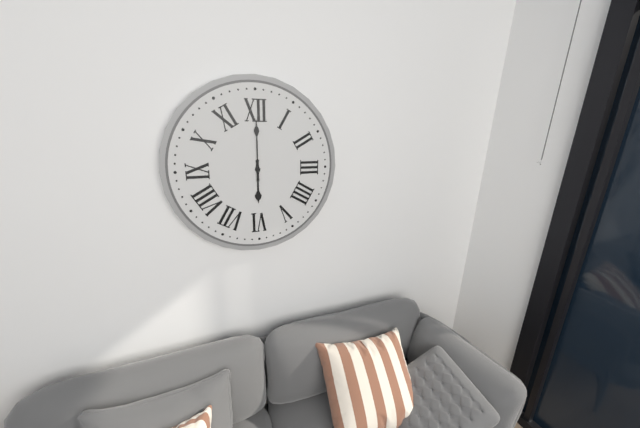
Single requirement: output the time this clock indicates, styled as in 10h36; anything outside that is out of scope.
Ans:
6h00
